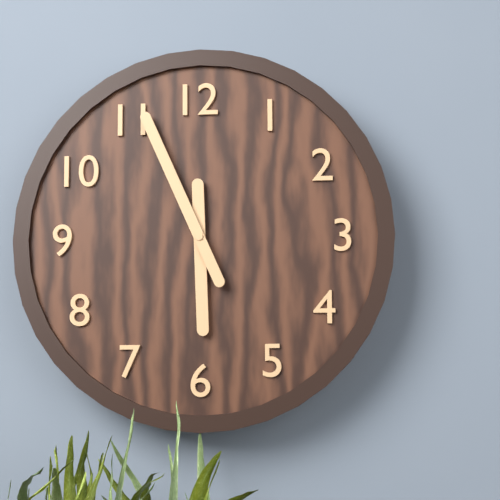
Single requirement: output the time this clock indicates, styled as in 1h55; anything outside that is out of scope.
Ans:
5h56
